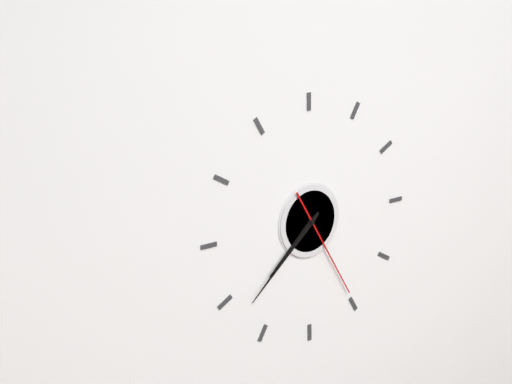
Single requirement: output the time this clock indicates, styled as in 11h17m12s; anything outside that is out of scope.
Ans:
7h38m25s
